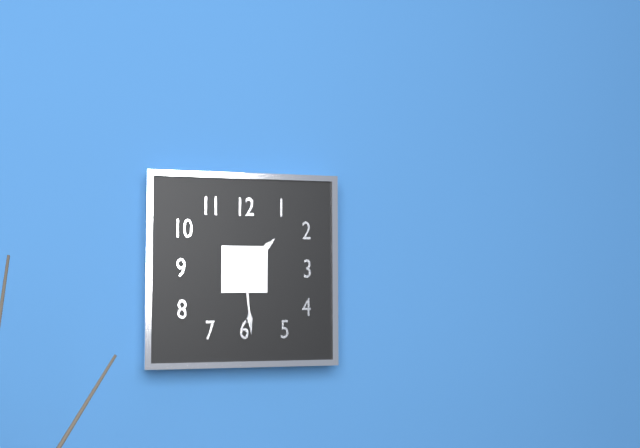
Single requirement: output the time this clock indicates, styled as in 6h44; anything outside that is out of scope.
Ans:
1h29
